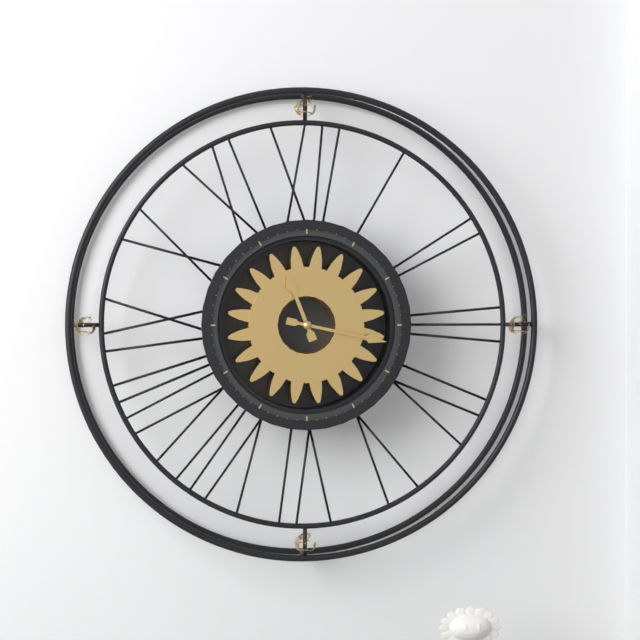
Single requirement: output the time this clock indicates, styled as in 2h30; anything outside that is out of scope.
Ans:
11h17
